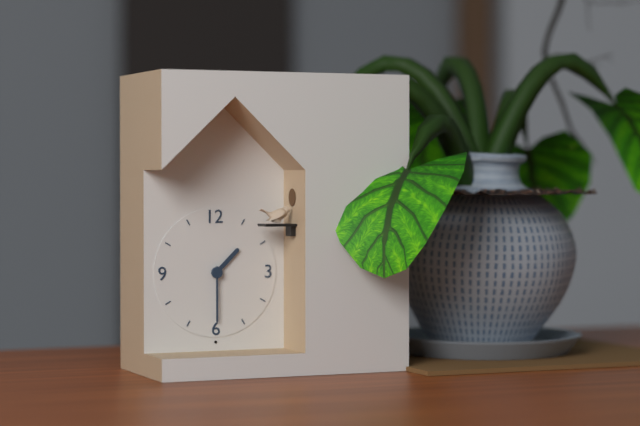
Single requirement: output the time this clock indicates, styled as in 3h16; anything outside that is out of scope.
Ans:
1h30
